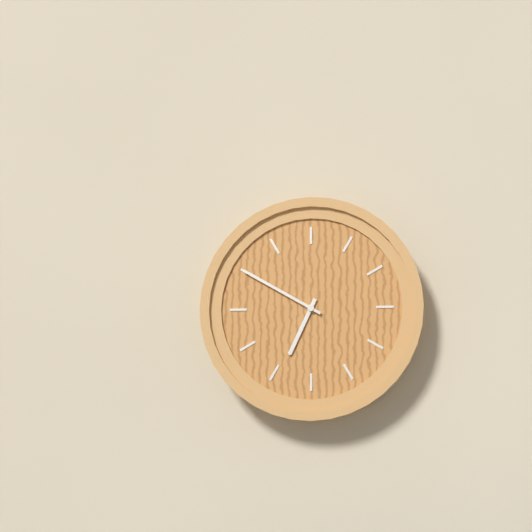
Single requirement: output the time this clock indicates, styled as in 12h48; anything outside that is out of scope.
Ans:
6h50
